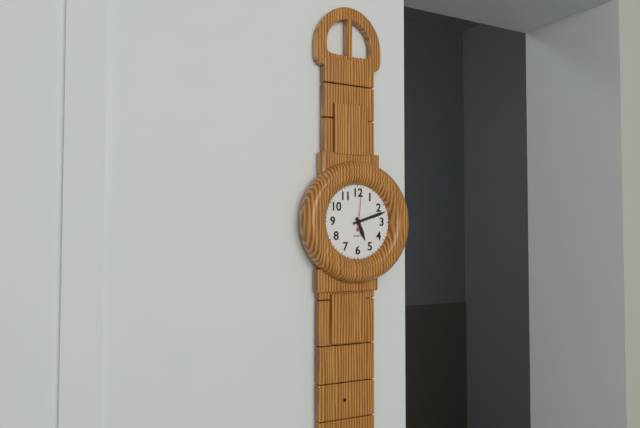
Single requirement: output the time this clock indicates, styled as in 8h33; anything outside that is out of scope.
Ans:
5h12
